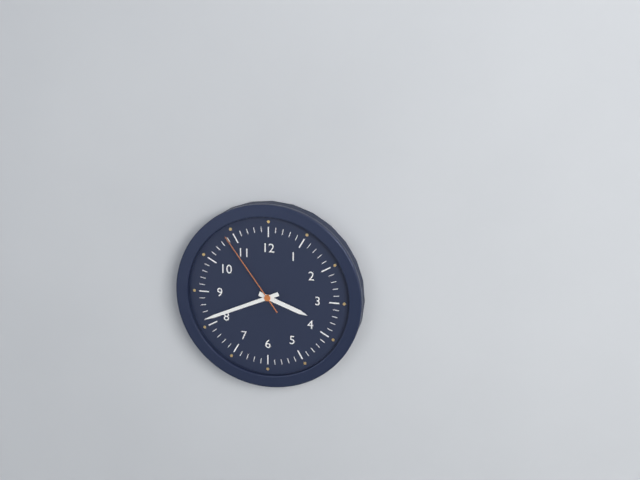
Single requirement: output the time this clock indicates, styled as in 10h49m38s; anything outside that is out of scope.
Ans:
3h41m54s
